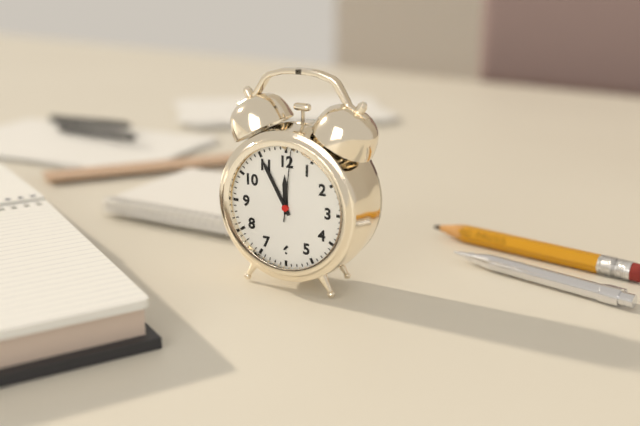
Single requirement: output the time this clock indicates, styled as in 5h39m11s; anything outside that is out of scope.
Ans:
11h55m01s
